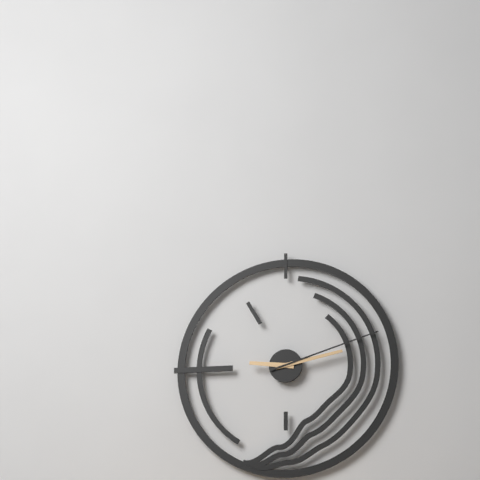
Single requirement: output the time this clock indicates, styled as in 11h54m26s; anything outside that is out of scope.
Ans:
9h13m12s
